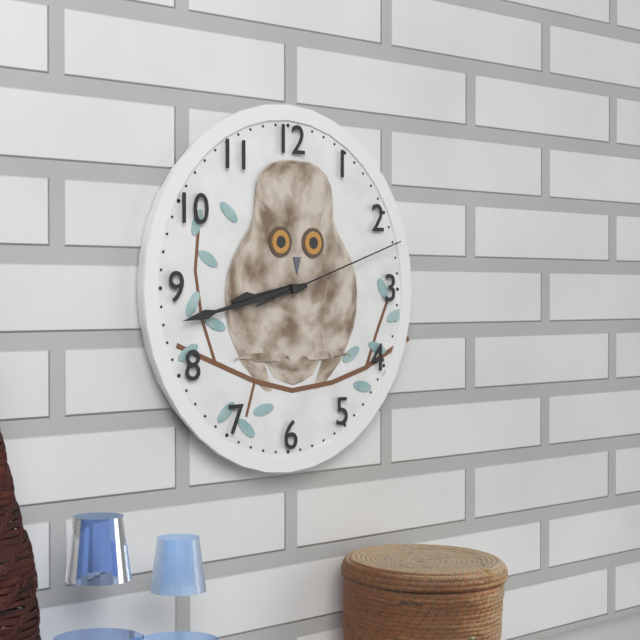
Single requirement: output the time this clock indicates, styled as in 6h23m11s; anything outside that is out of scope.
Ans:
8h43m12s
